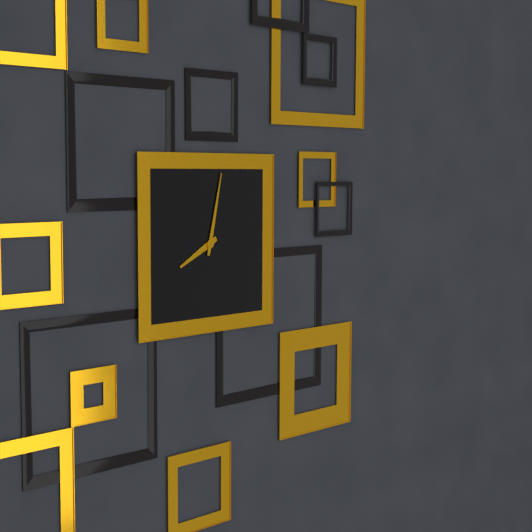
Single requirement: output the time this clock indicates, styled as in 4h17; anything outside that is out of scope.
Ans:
8h02
